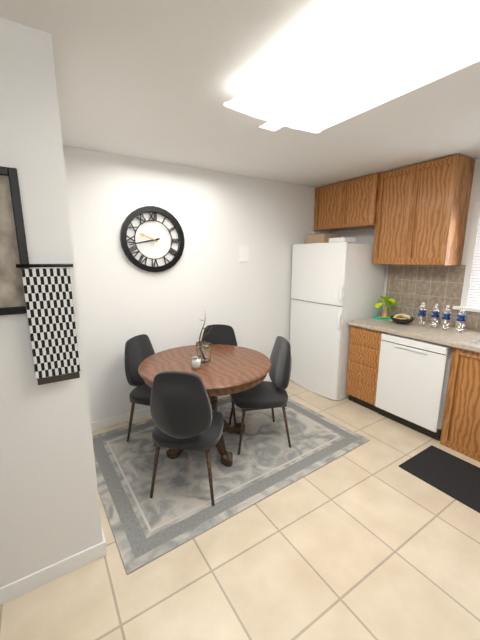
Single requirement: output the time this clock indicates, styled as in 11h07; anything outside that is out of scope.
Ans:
9h43
